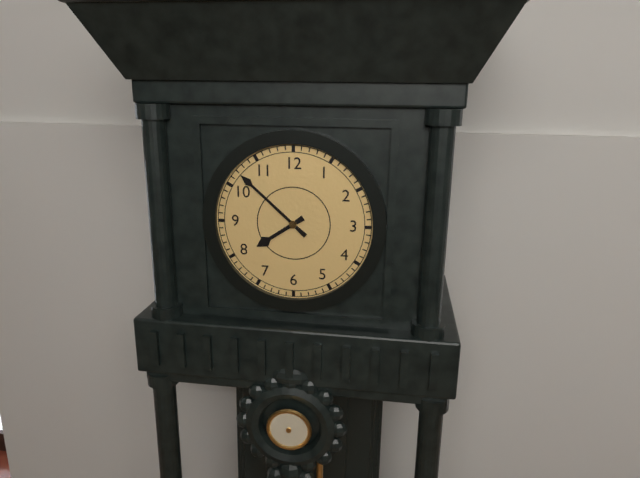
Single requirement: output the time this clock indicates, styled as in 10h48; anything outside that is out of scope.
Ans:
7h52
